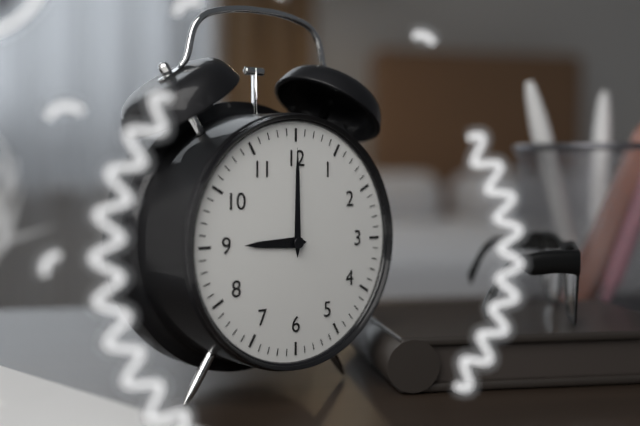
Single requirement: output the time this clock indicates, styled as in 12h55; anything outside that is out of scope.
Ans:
9h00
